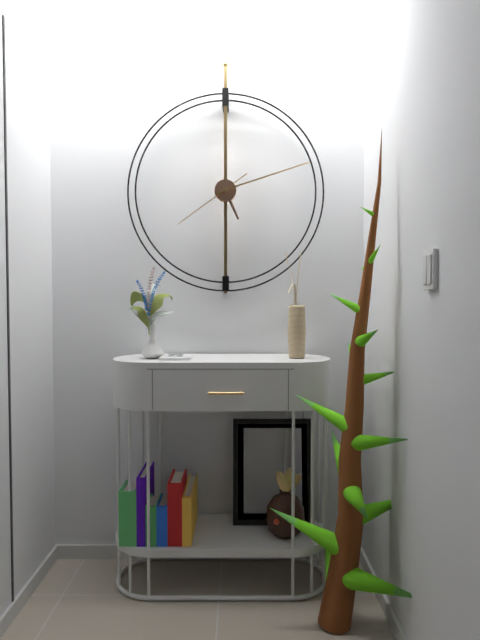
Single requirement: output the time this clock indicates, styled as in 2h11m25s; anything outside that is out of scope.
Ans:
5h12m39s
